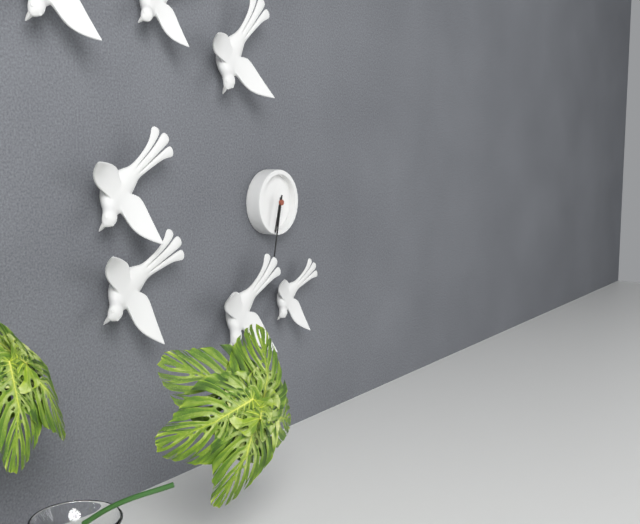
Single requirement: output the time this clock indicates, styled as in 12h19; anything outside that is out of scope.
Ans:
6h32
